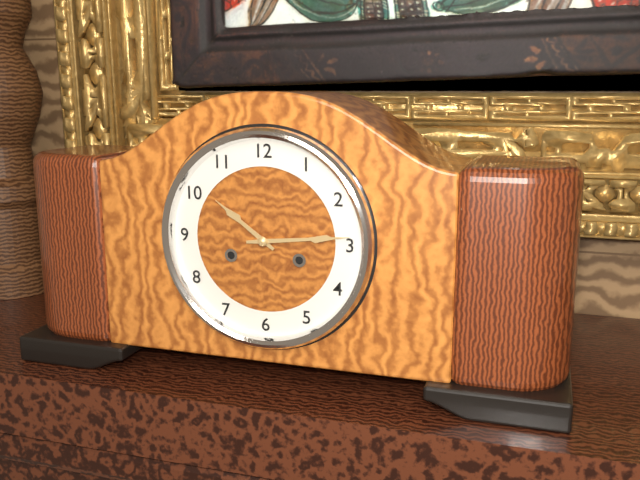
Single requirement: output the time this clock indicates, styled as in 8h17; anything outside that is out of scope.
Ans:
10h14
